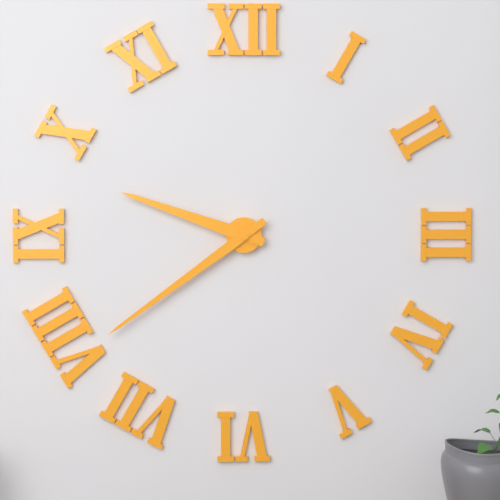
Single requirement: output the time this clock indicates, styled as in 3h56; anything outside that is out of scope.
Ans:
9h39
